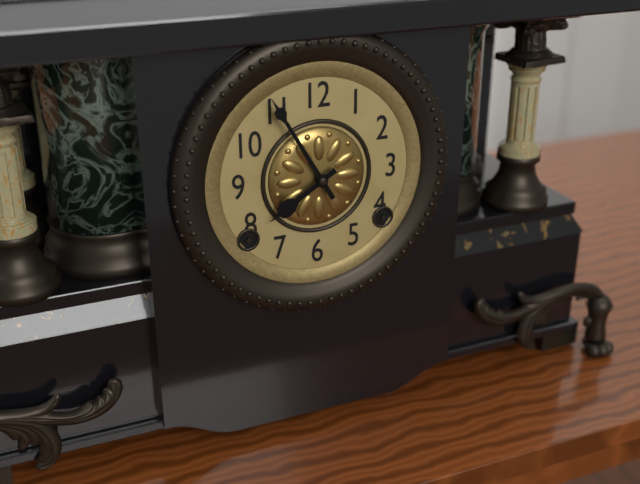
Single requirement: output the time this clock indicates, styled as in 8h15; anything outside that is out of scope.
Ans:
7h55
